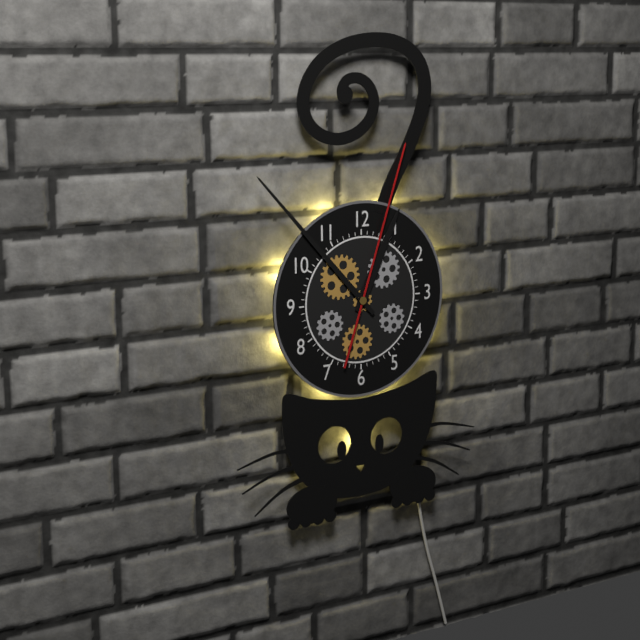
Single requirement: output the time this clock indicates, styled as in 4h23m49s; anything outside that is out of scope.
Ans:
12h53m03s
